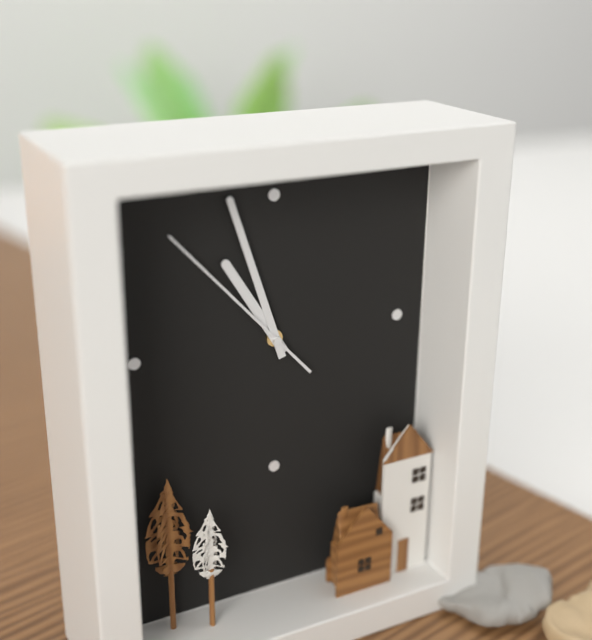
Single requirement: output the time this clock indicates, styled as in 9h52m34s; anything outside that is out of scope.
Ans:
10h57m53s
